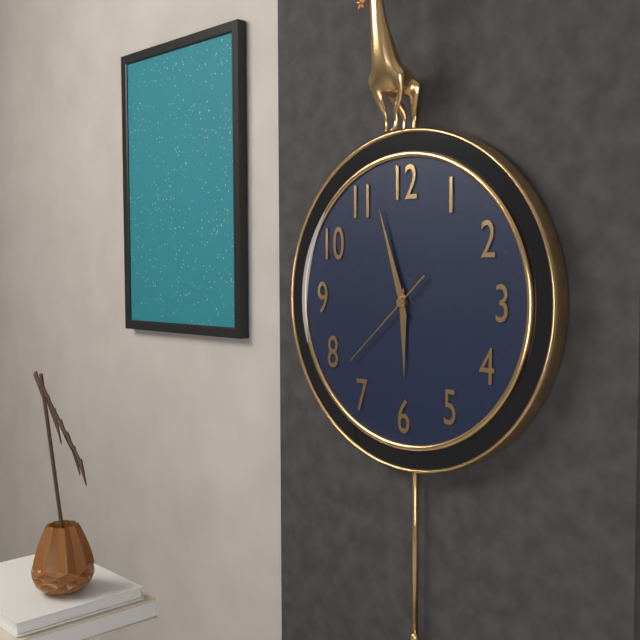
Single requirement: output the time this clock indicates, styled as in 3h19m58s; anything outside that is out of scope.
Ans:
5h57m38s
